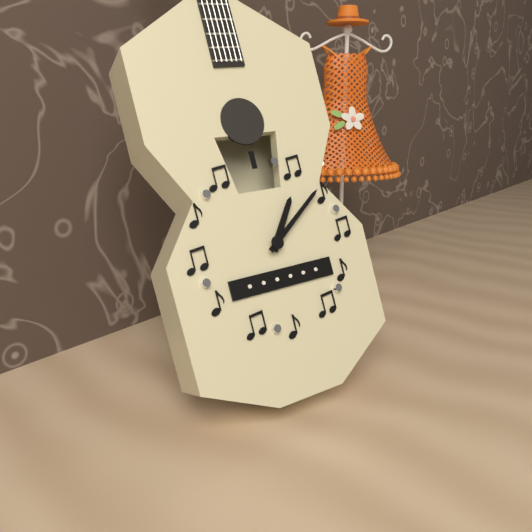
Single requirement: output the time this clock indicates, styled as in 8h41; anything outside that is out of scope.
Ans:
1h09
